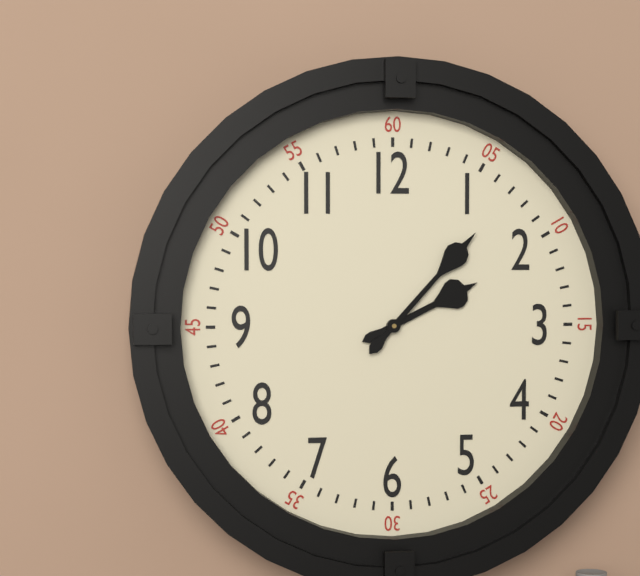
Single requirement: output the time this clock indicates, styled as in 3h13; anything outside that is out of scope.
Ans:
2h07
